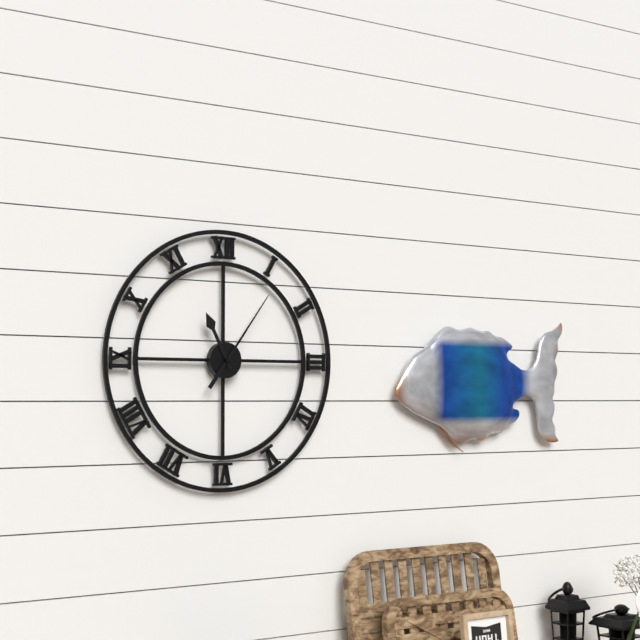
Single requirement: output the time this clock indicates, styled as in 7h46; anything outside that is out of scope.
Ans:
11h06
